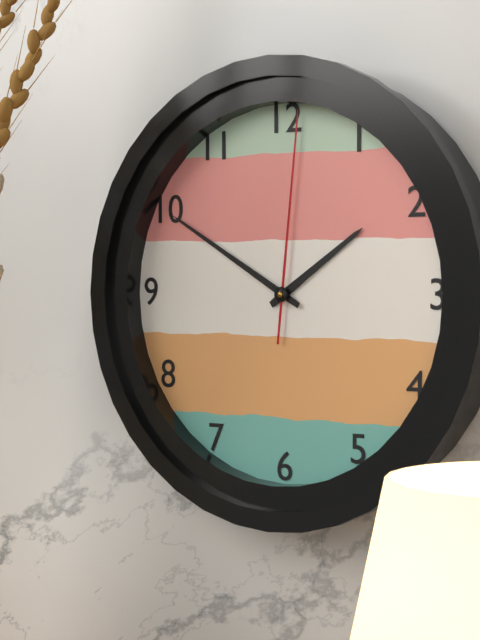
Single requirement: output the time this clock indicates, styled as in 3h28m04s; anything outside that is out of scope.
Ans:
1h50m01s
